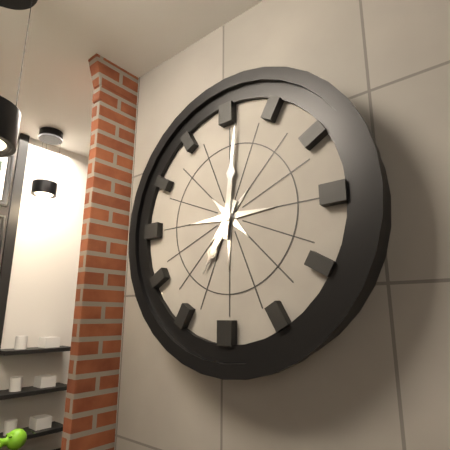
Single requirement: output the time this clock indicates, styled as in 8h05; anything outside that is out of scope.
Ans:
7h01
